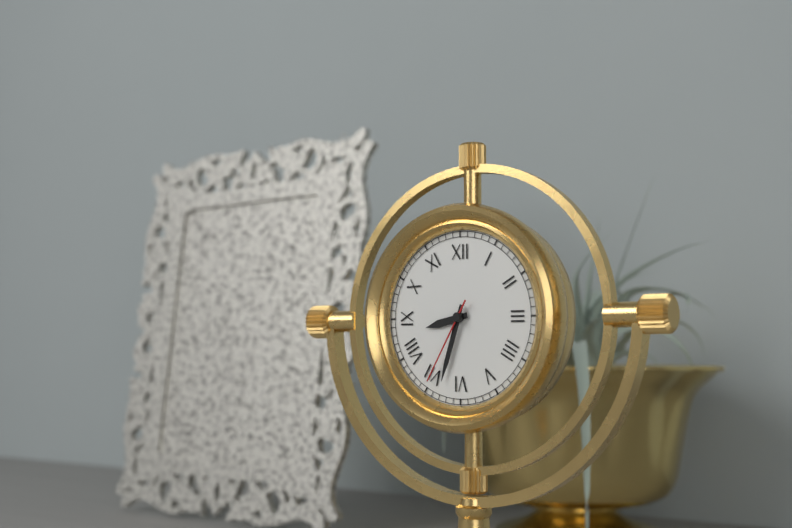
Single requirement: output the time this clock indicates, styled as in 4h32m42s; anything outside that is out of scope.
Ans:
8h33m35s
